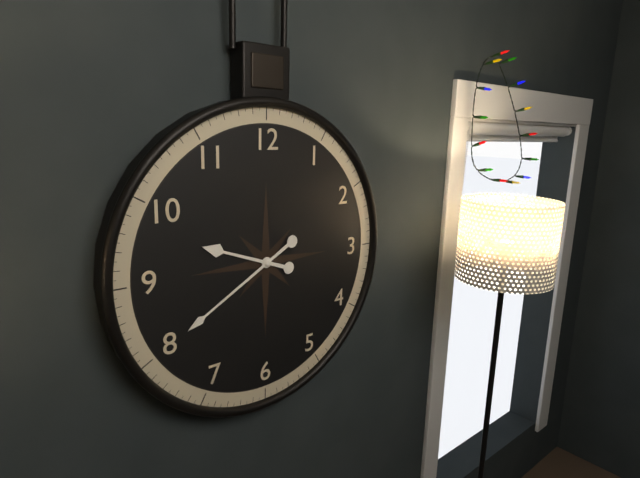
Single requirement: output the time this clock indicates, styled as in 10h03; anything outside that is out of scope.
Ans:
9h40
